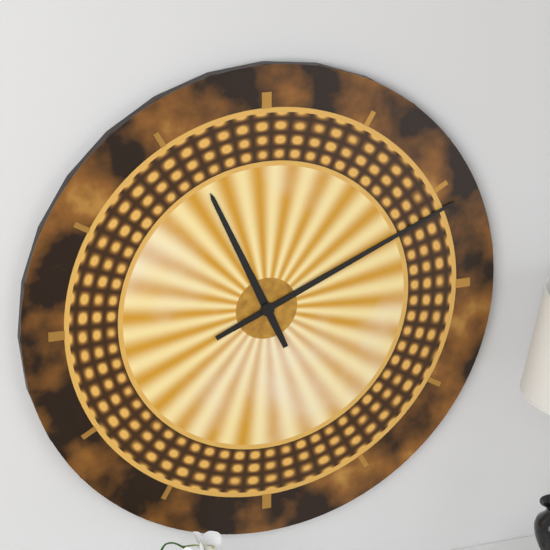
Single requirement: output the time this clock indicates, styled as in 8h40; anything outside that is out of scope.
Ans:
11h11
